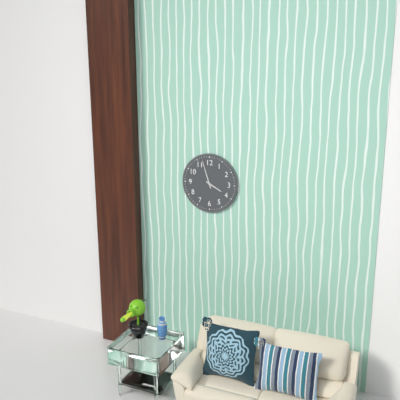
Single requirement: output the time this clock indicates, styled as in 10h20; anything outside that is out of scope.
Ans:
3h57
